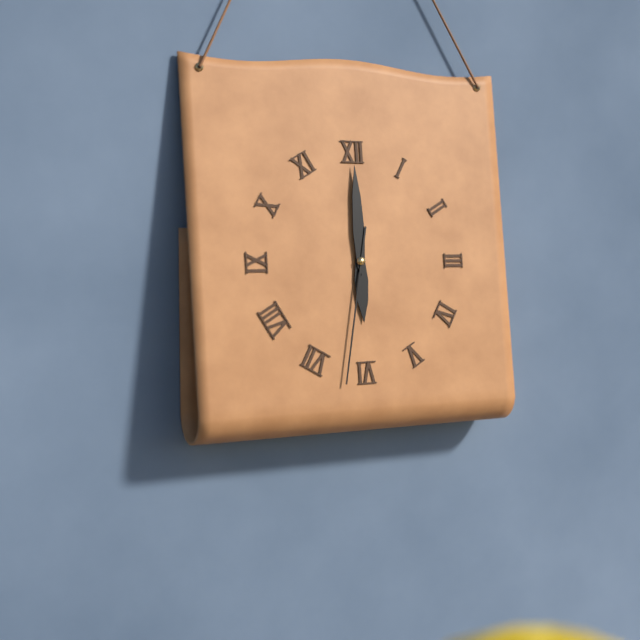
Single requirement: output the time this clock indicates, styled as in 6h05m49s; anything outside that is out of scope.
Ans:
6h00m32s
